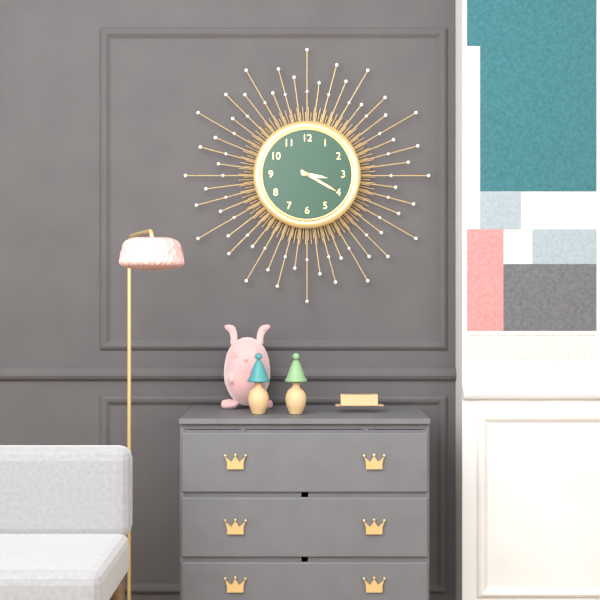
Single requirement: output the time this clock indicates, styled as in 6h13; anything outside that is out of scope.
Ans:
3h20
